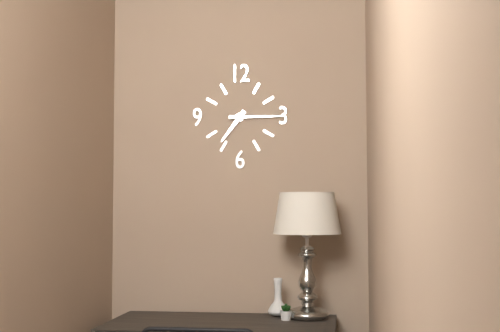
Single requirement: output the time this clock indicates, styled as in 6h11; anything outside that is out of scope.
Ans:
7h15
